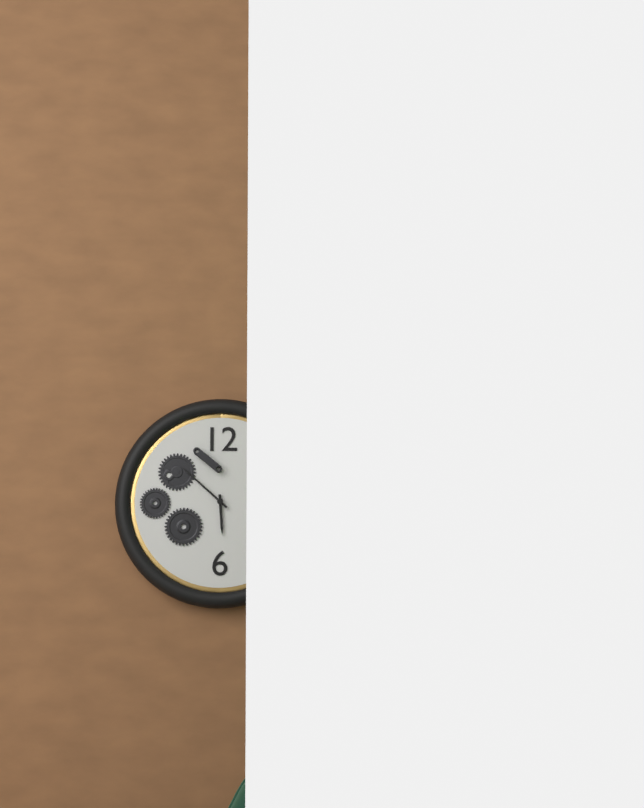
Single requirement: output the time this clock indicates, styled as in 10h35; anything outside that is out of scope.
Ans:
5h52
